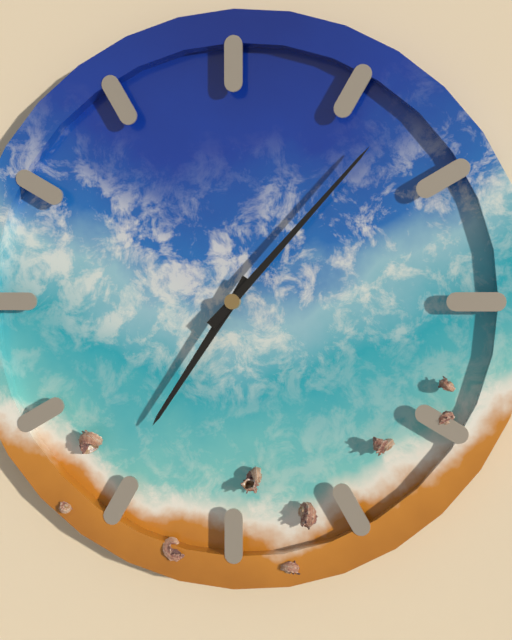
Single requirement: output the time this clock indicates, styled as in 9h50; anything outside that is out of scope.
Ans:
7h07
